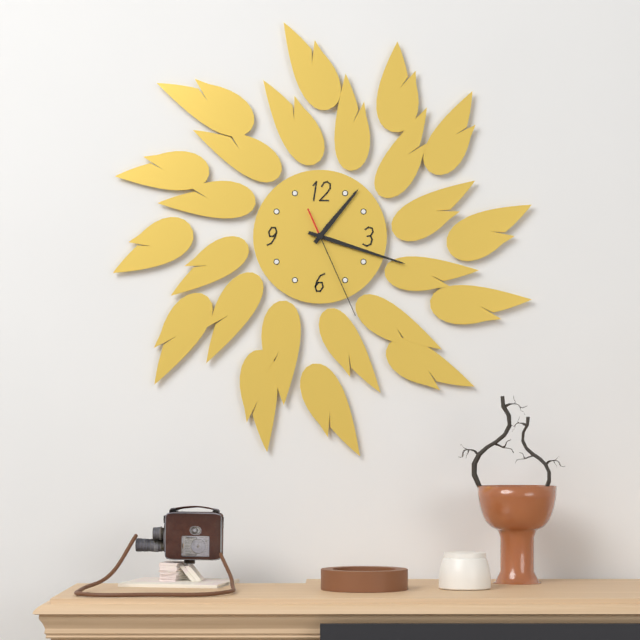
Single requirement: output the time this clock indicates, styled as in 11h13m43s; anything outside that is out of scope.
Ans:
1h18m26s
